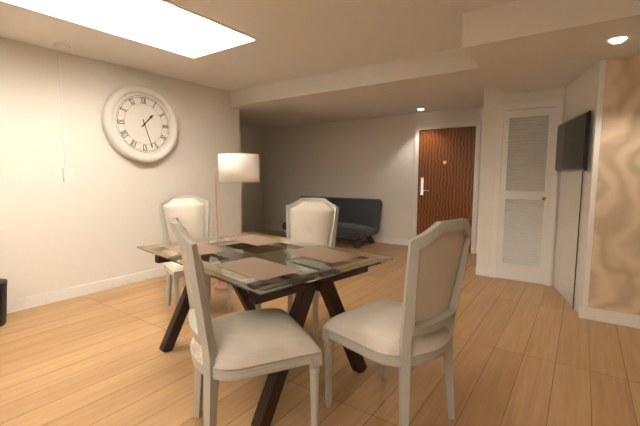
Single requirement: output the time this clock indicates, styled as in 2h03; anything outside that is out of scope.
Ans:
1h27
